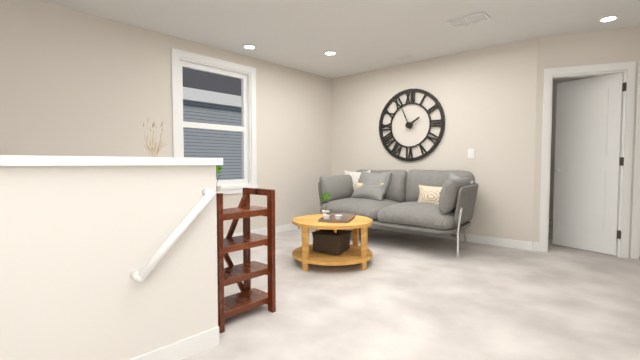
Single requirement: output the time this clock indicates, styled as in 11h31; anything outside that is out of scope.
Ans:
1h56
